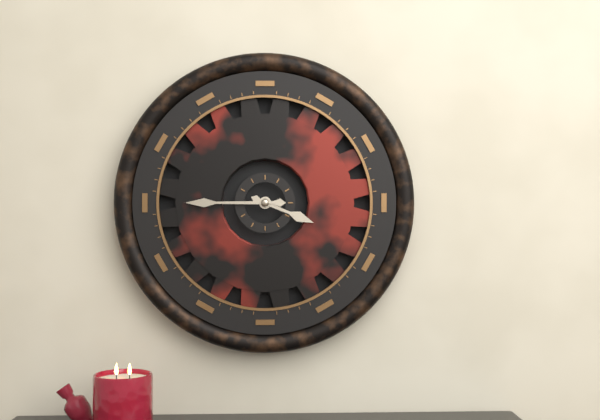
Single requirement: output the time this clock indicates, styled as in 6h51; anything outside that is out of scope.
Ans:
3h45
